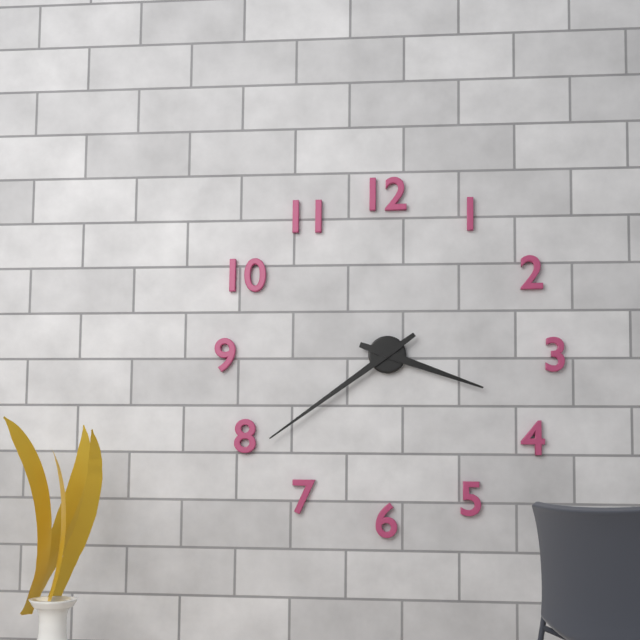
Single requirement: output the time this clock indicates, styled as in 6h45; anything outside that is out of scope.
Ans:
3h39
